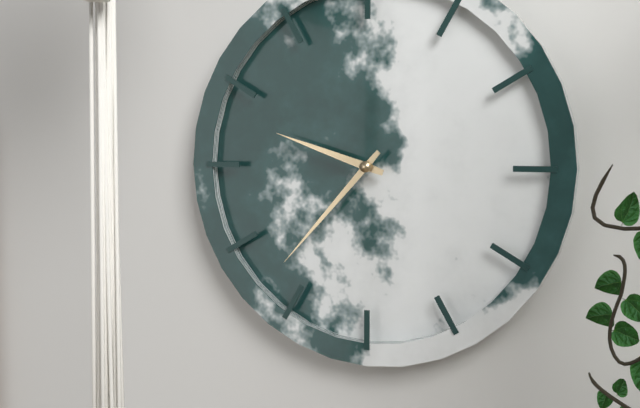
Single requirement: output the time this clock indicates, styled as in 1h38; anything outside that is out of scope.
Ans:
9h37
